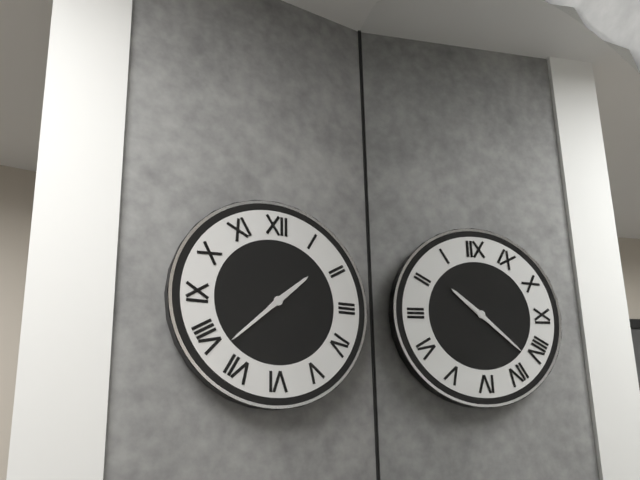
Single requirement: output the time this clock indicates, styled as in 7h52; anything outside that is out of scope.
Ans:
1h38
